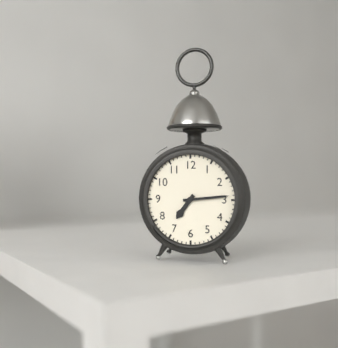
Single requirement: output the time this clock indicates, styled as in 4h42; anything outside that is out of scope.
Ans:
7h14
